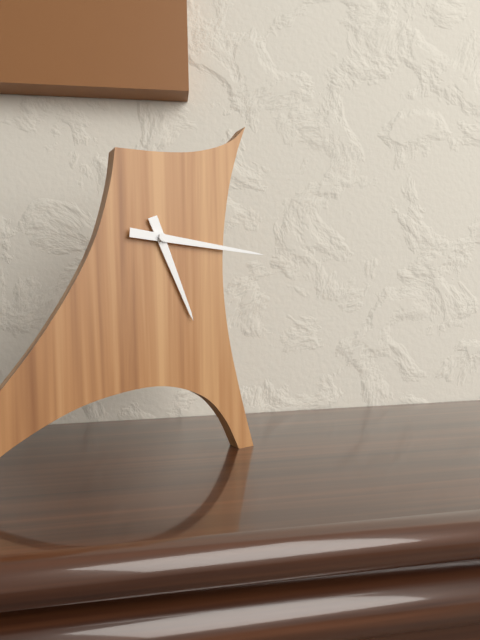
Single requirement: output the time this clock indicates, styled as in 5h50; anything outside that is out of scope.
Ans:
5h16
